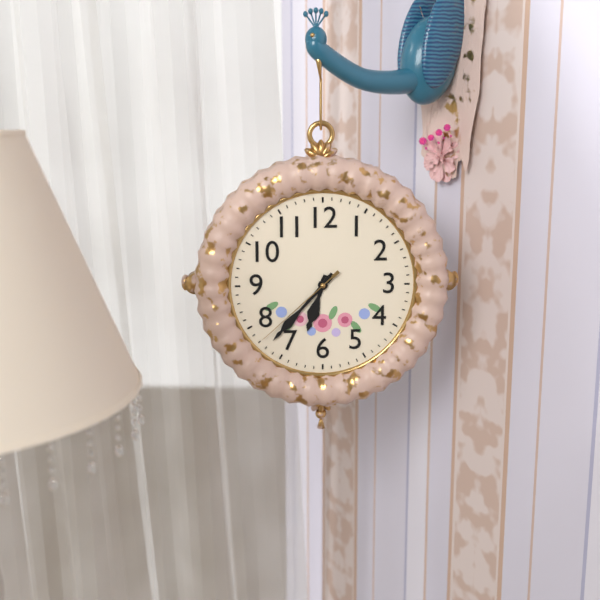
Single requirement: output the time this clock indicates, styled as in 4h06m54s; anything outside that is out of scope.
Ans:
6h37m38s
